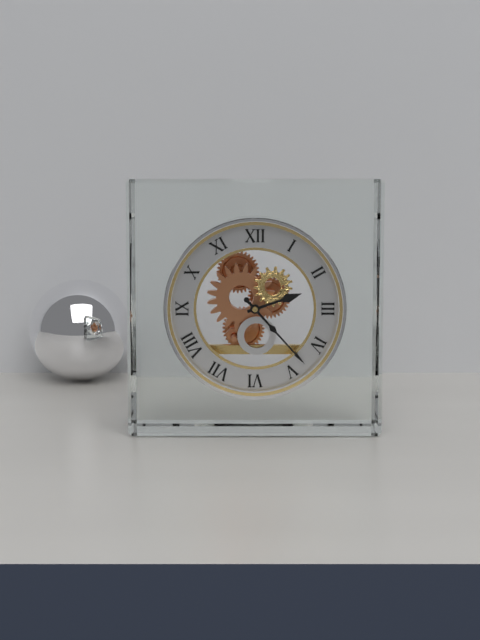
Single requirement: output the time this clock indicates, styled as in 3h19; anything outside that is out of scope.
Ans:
2h23
